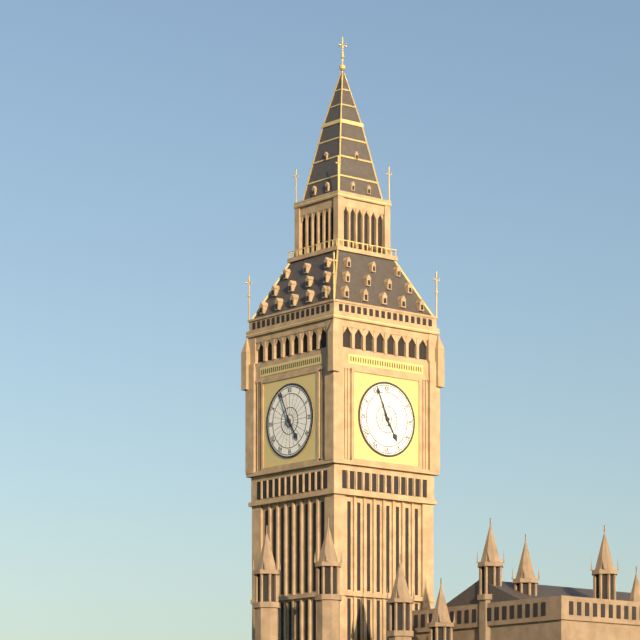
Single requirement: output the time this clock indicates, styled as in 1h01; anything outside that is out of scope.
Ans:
4h56
